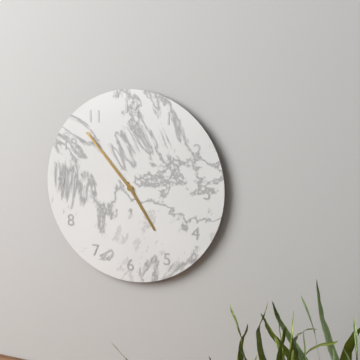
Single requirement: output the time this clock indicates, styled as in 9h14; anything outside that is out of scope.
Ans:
4h53
